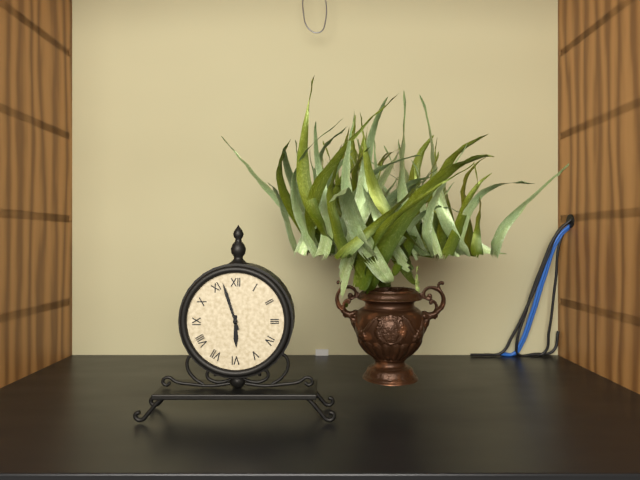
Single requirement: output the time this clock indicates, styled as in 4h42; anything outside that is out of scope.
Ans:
5h57
